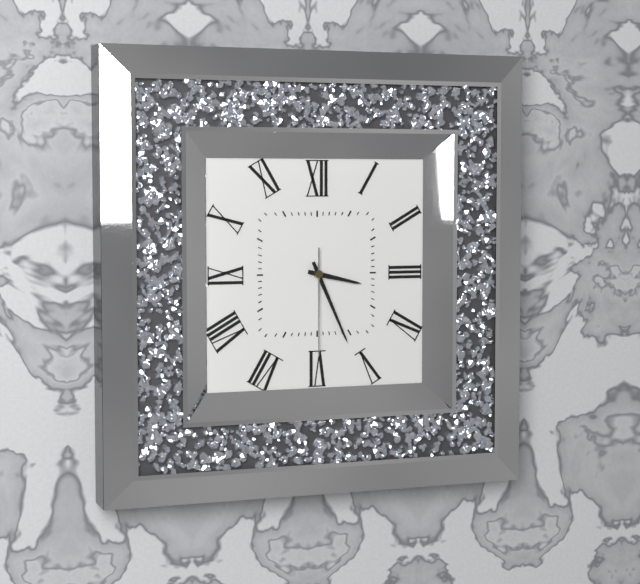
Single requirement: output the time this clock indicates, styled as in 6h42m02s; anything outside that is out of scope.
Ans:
3h26m30s
